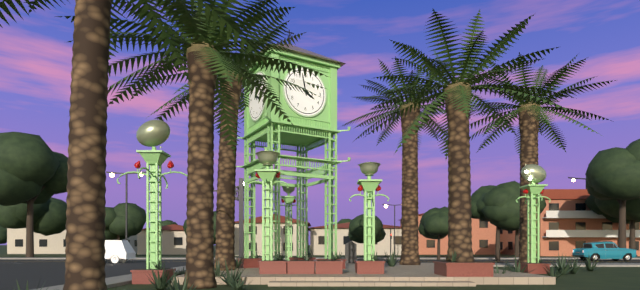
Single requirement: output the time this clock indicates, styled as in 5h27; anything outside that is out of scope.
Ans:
3h58
